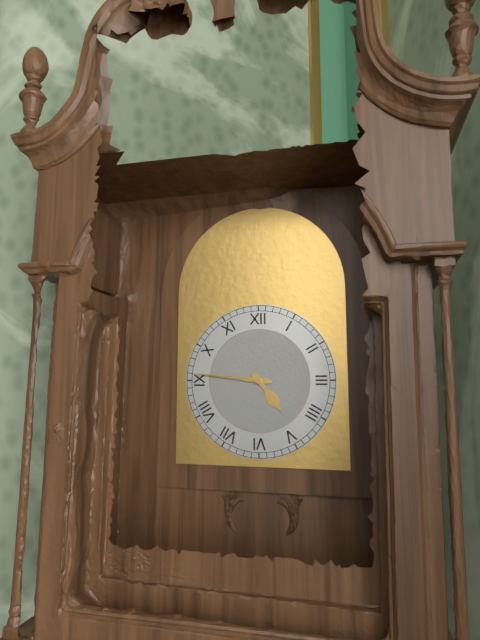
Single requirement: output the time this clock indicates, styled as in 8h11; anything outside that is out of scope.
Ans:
4h46
